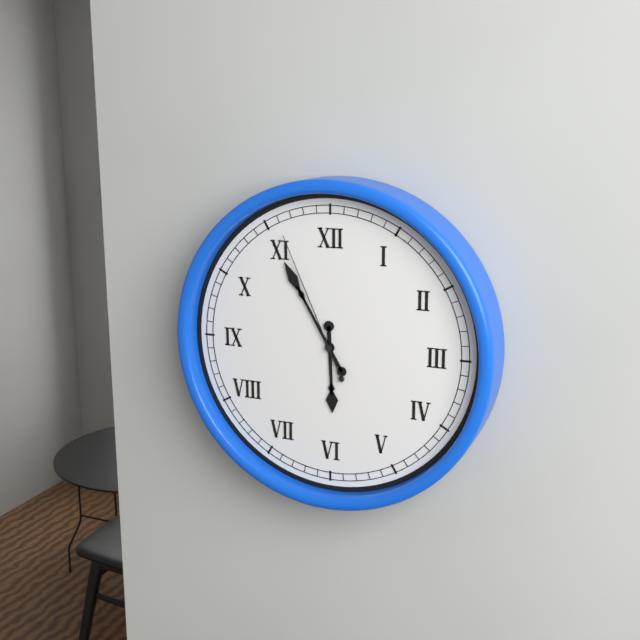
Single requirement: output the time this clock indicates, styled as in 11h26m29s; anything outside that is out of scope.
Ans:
5h55m56s
